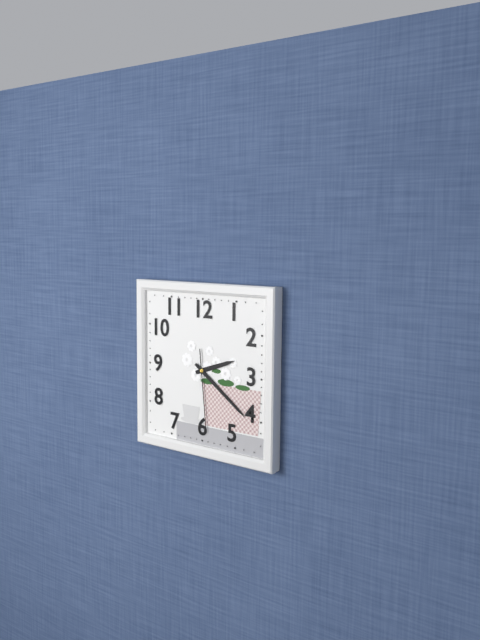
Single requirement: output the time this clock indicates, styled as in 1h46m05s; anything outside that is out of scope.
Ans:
2h21m29s
